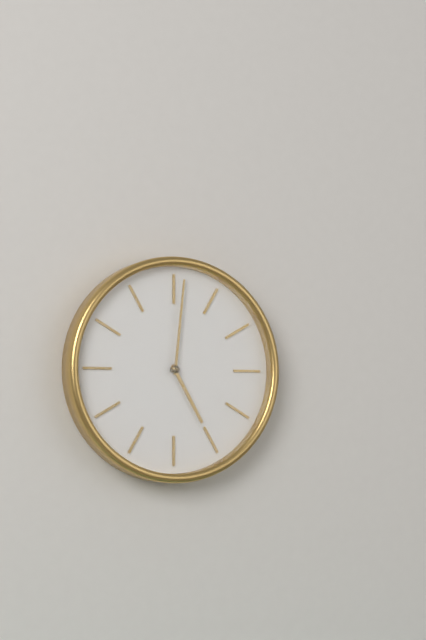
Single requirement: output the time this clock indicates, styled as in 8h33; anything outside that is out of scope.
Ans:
5h01
